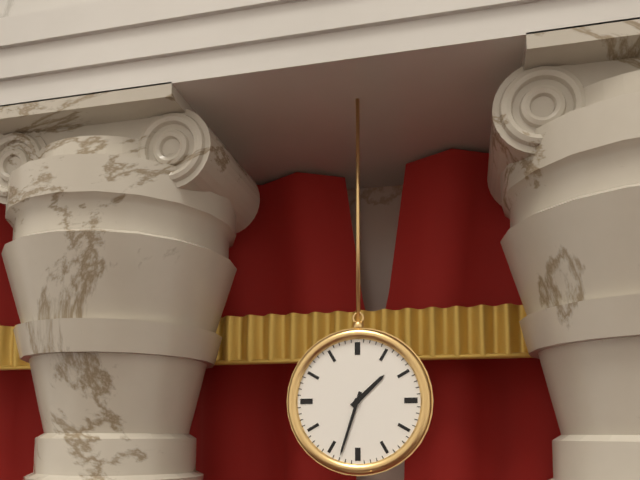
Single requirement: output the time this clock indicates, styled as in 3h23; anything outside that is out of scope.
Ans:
1h33
